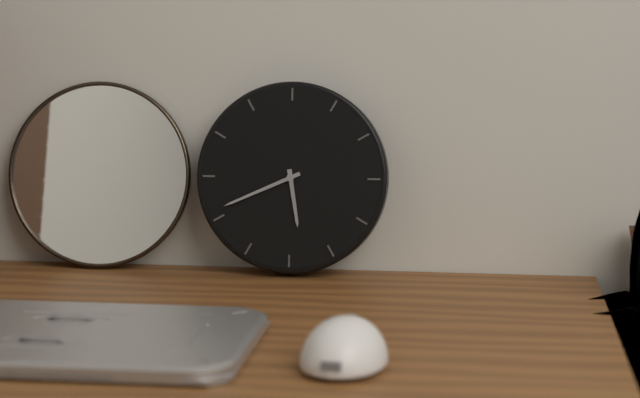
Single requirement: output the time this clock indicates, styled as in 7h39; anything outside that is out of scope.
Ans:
5h41
